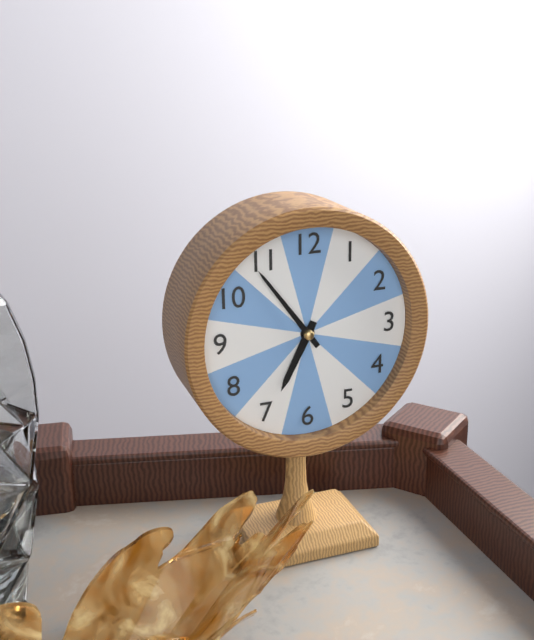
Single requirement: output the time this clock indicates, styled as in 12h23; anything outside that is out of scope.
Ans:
6h54
